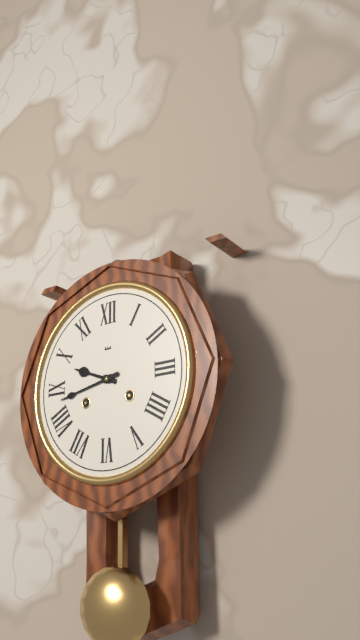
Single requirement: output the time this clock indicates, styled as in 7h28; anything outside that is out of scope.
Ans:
9h43
